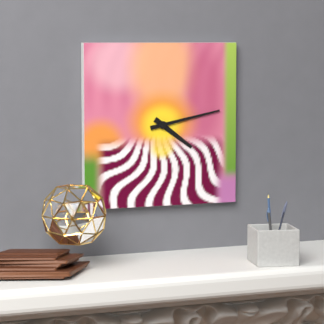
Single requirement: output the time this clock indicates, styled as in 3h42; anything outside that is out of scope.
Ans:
4h13
